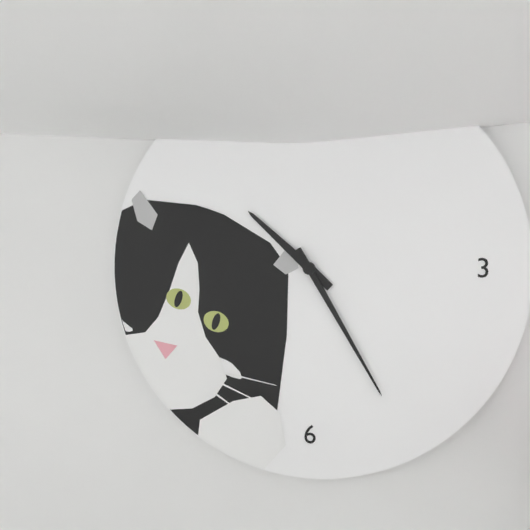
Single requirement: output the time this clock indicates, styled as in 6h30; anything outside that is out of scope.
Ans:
10h25
